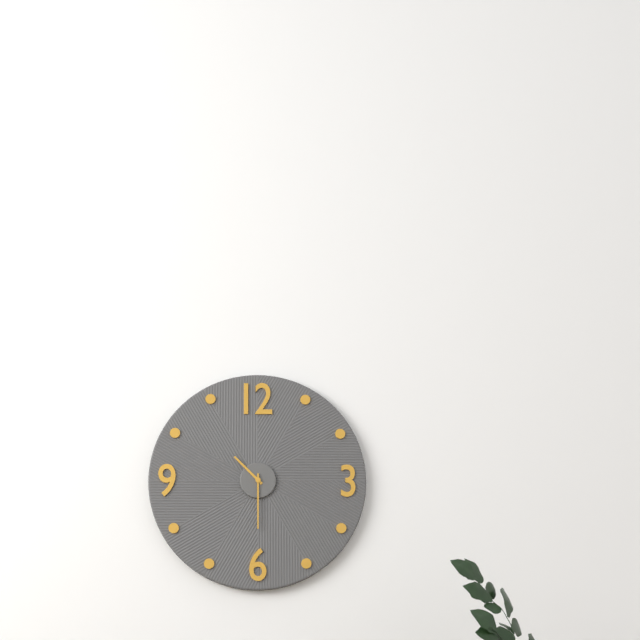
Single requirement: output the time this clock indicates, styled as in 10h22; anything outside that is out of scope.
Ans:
10h30
